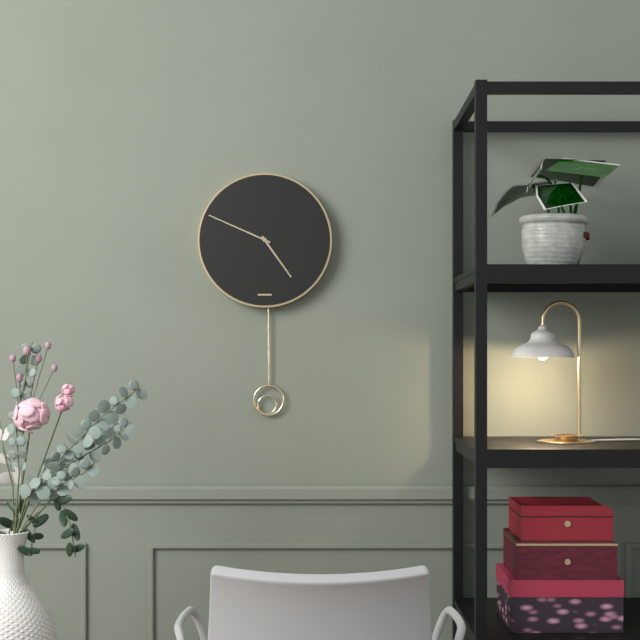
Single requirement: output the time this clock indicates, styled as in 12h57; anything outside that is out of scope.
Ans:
4h49
